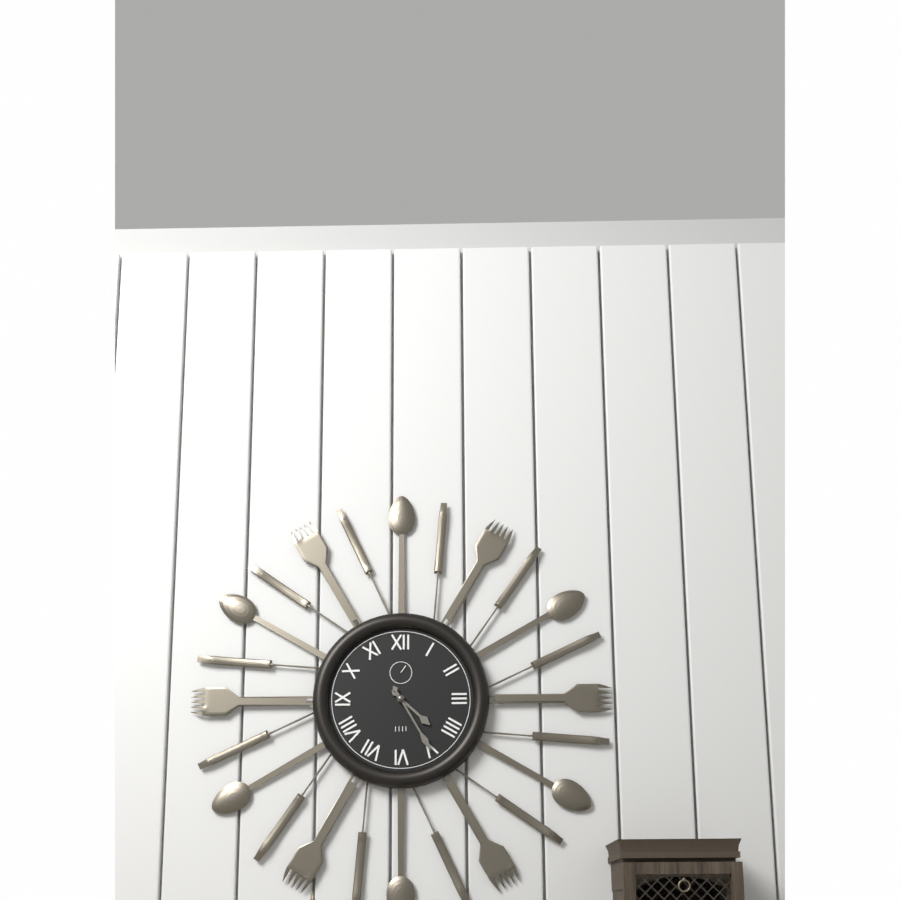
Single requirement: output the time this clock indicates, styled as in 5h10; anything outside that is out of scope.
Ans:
4h25
